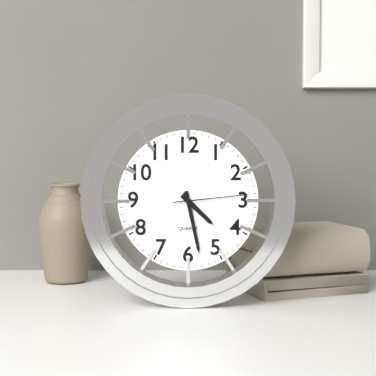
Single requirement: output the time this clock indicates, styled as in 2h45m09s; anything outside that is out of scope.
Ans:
4h28m14s
